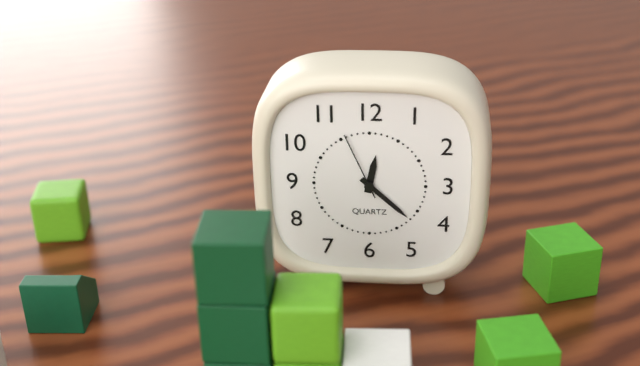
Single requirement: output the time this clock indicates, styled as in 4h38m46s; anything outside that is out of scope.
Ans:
12h22m56s
